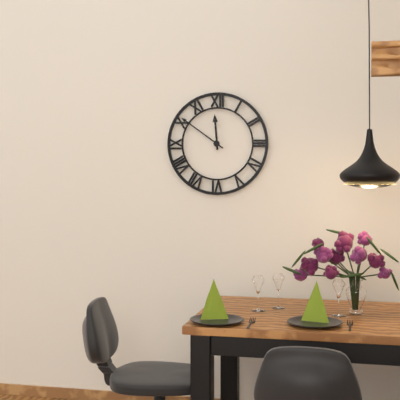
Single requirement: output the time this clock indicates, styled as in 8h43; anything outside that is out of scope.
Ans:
11h51
